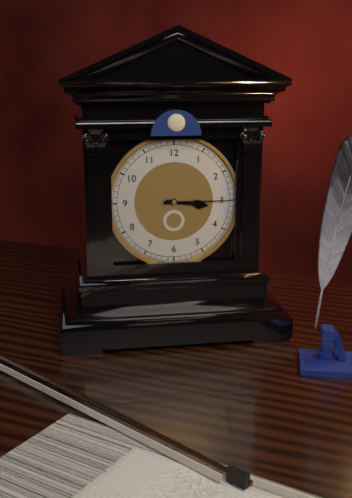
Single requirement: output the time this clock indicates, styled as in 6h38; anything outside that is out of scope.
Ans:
3h15
